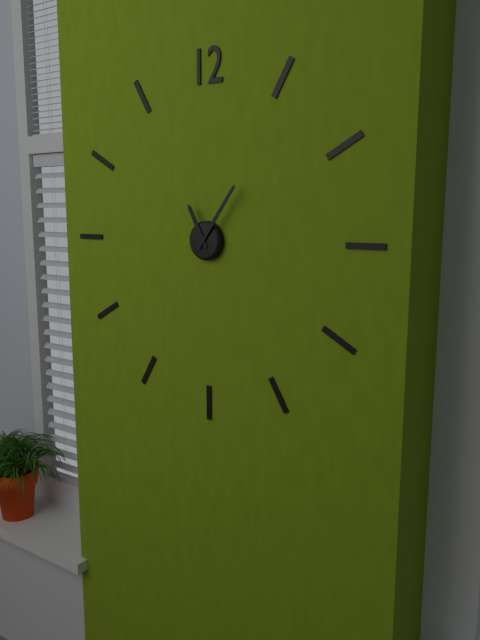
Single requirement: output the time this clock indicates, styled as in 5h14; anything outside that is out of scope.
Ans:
11h06
